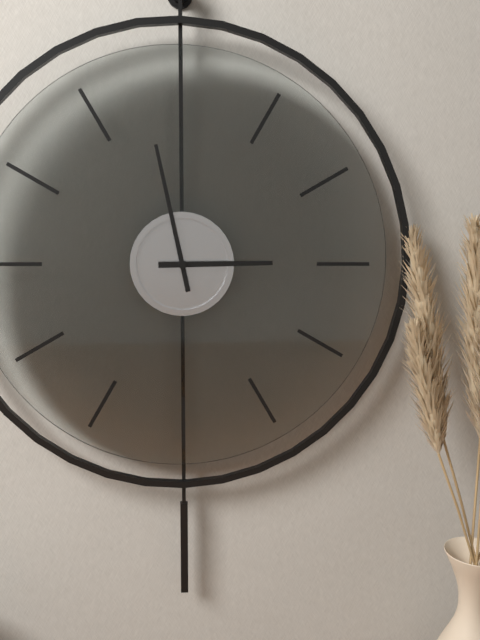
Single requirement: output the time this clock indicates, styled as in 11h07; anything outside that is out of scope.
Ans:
2h58
